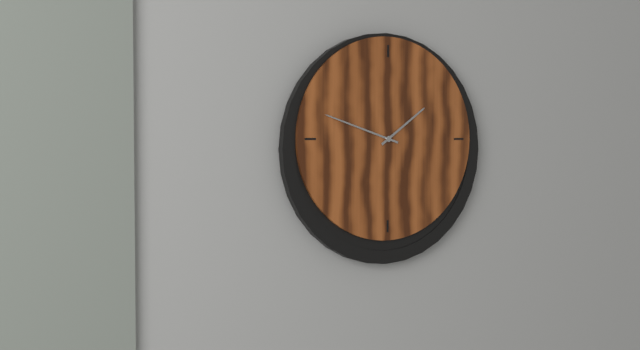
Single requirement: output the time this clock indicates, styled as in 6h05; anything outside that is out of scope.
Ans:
1h48
